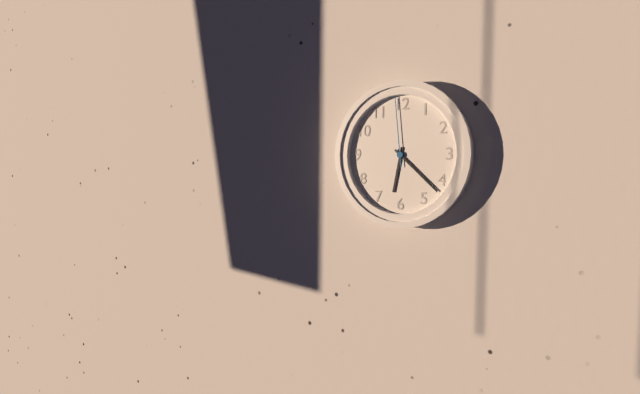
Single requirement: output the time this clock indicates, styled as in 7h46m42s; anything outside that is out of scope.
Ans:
6h22m59s
